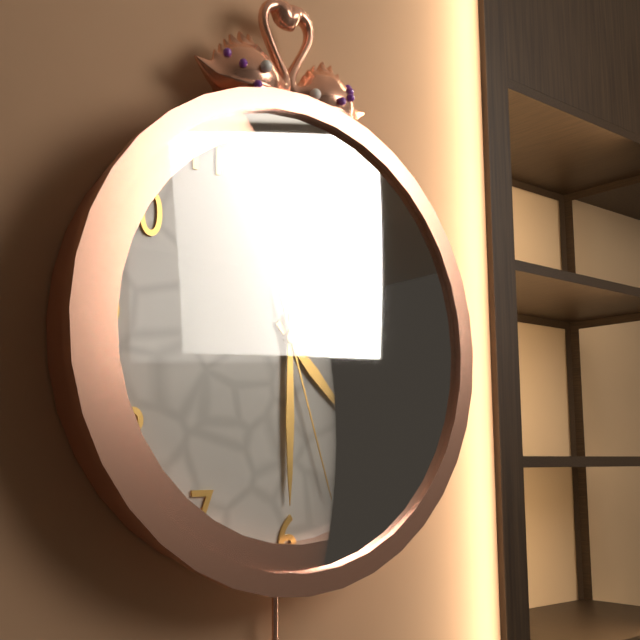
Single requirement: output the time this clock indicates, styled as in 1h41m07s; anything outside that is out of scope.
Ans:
4h30m27s
